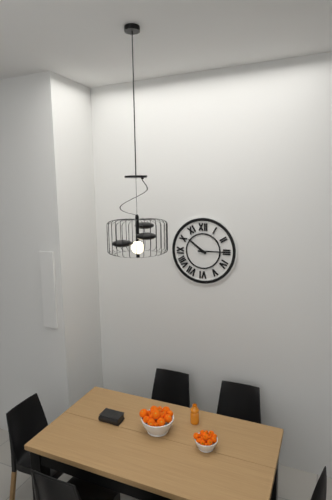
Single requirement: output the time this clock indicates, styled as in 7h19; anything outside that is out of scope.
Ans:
10h15
